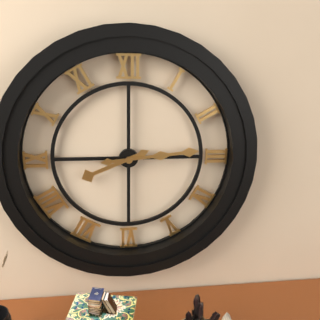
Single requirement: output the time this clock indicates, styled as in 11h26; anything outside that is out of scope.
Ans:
8h14
